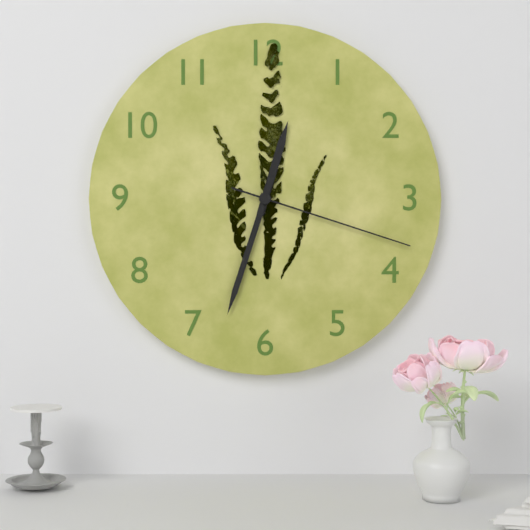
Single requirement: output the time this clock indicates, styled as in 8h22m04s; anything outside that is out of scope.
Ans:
12h33m18s
